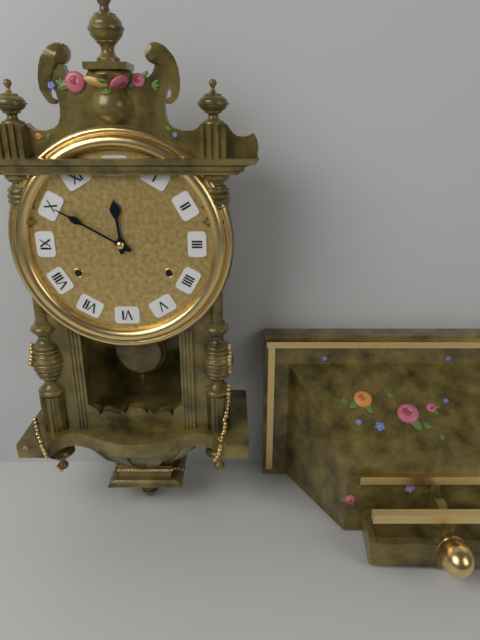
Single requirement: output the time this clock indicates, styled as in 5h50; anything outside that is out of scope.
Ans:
11h50
